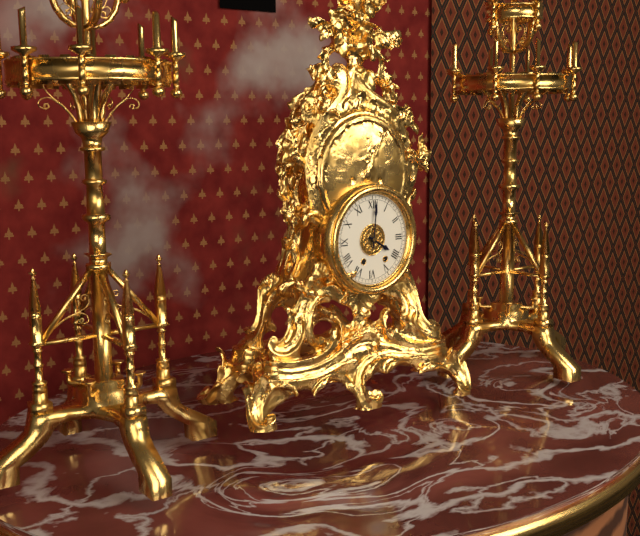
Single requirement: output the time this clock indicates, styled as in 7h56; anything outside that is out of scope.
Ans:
4h01
